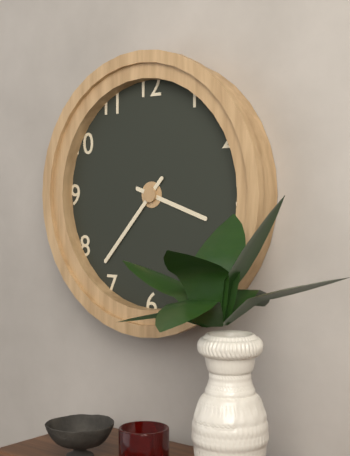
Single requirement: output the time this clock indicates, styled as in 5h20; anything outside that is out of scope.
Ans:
3h37
